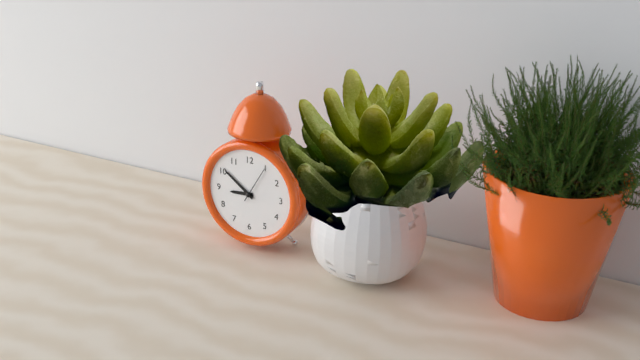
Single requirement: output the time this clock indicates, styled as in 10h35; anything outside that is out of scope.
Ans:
8h51
